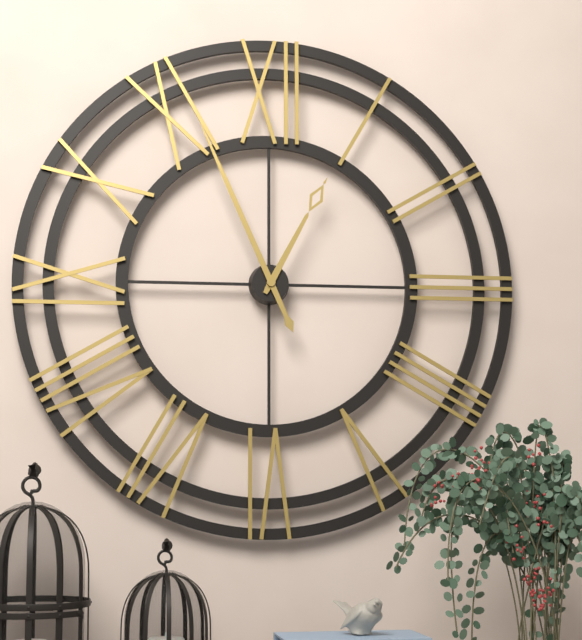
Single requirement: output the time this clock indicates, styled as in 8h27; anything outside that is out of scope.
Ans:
12h56
